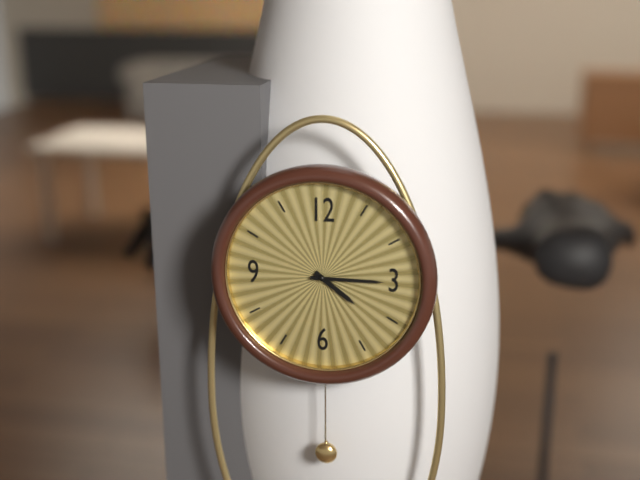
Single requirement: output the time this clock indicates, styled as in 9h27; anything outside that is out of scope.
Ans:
4h15
